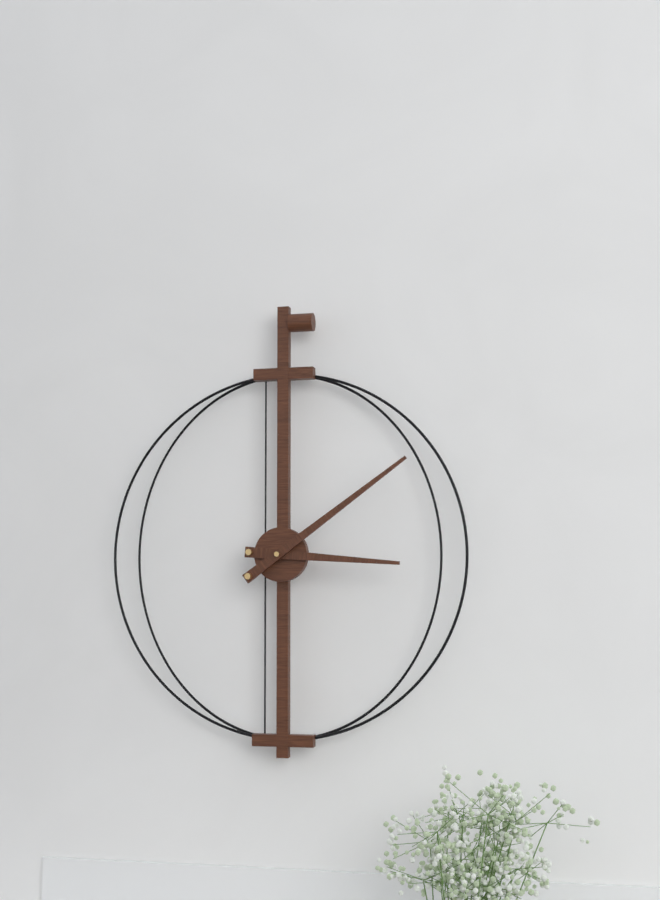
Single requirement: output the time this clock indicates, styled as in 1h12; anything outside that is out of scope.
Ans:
3h09
